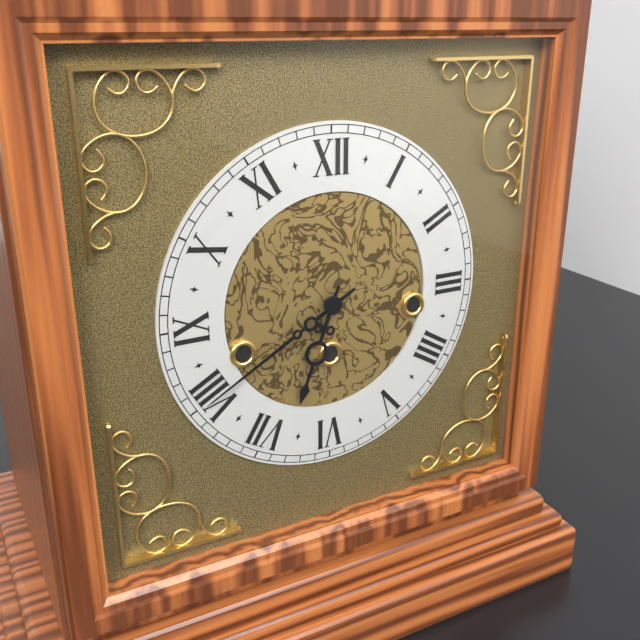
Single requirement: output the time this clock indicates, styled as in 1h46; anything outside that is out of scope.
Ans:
6h40
